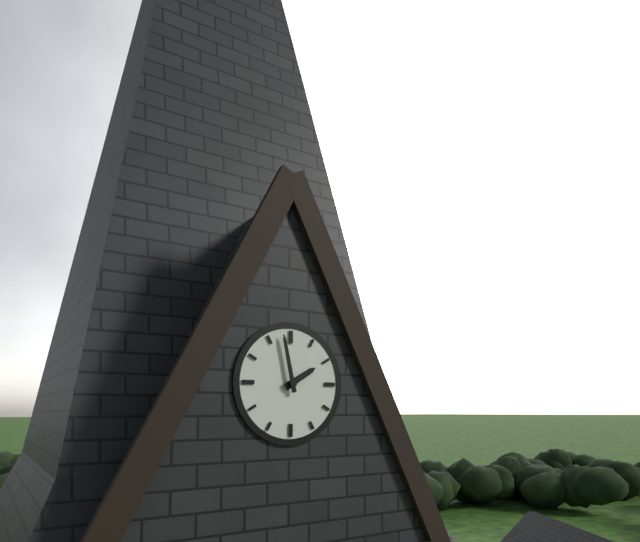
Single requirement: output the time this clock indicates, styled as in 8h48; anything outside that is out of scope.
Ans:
1h58
